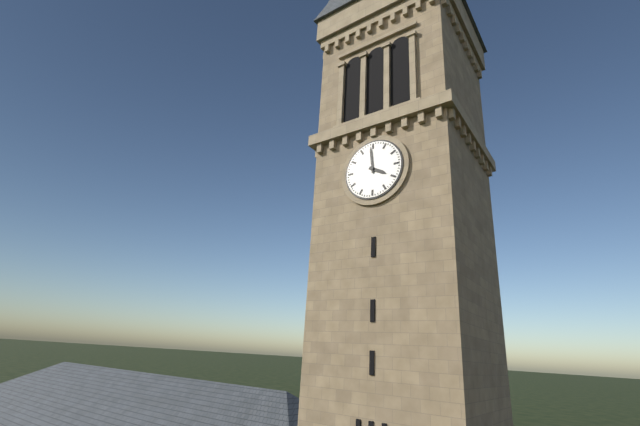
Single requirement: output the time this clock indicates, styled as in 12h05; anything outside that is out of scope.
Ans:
3h59
